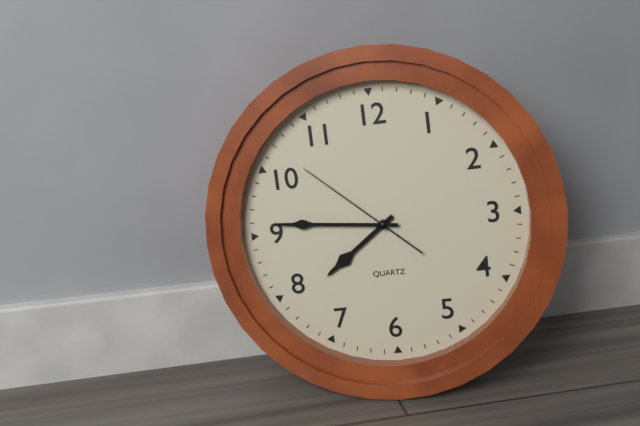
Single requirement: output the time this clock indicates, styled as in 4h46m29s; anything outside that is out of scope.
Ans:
7h46m52s
